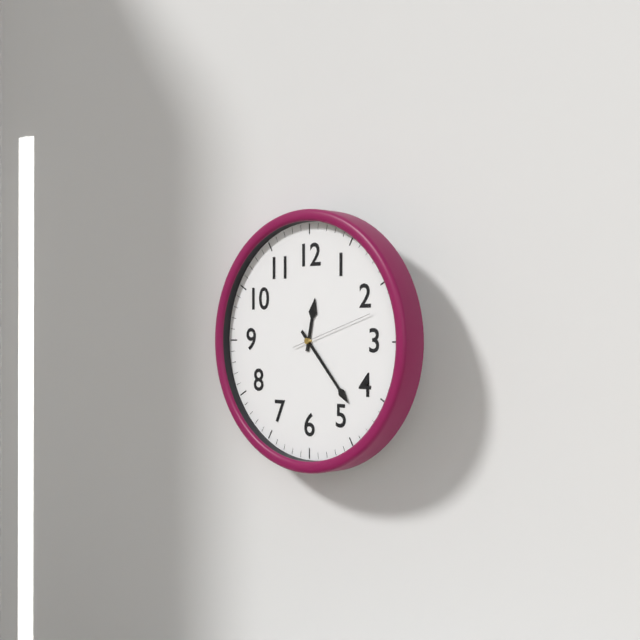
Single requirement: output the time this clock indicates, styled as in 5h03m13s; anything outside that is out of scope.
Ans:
12h23m12s
